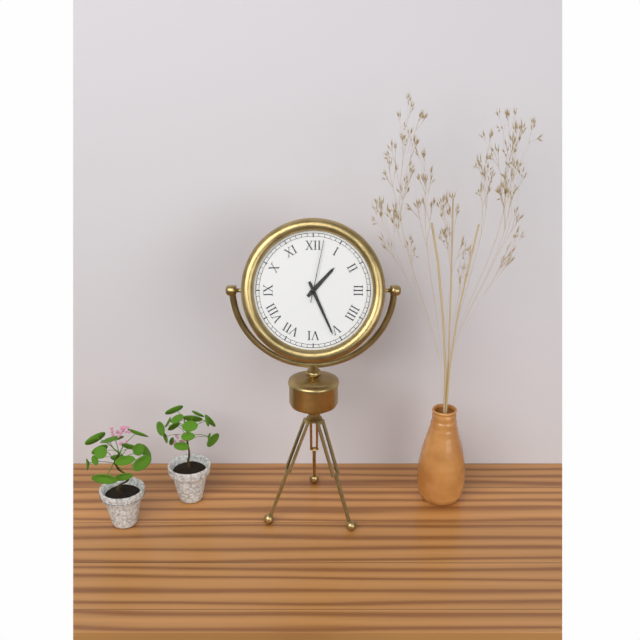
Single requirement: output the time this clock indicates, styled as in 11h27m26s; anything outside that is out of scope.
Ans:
1h26m02s
